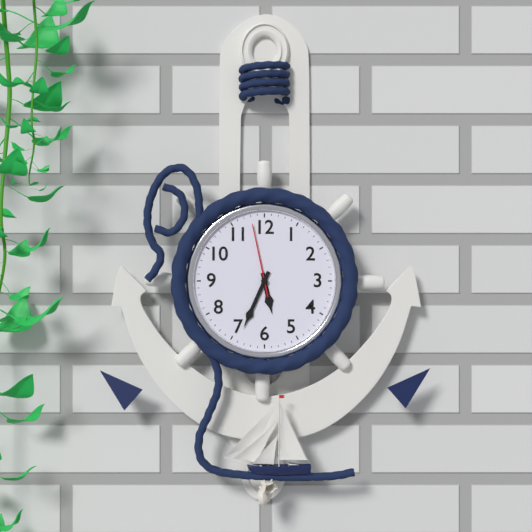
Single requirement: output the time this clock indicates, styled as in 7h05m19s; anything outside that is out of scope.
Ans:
5h34m58s
